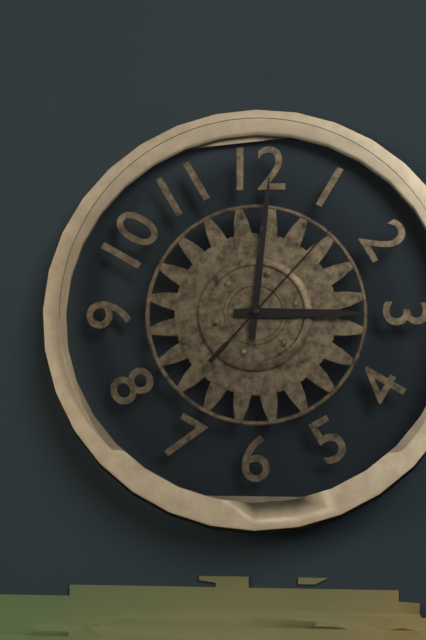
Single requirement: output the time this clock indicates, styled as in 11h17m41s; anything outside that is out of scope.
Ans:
3h01m07s
